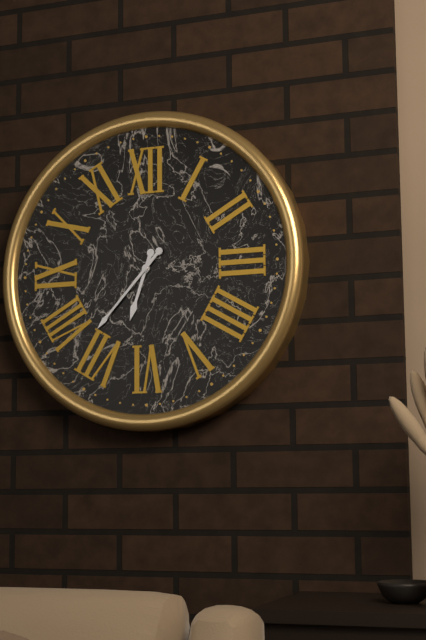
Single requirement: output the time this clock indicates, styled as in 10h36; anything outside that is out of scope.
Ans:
6h37
